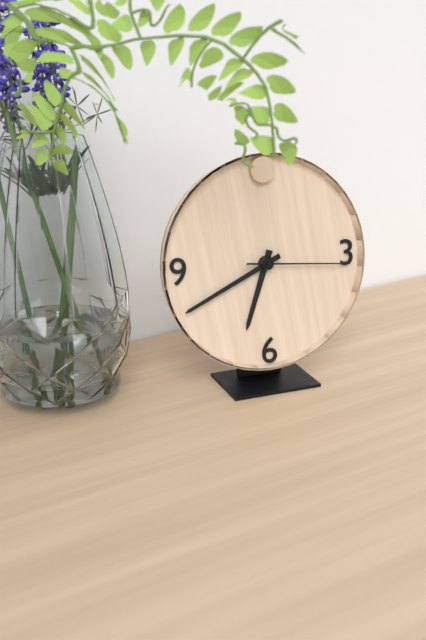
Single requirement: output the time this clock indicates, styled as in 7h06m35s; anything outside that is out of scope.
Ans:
6h41m16s
